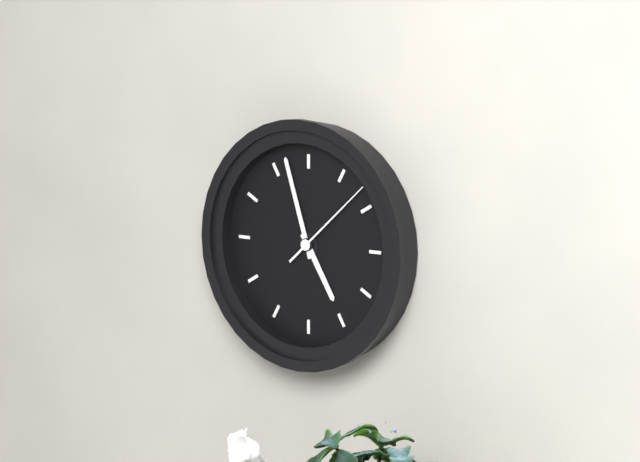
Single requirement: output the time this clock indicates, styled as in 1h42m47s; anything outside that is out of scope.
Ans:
4h57m08s
